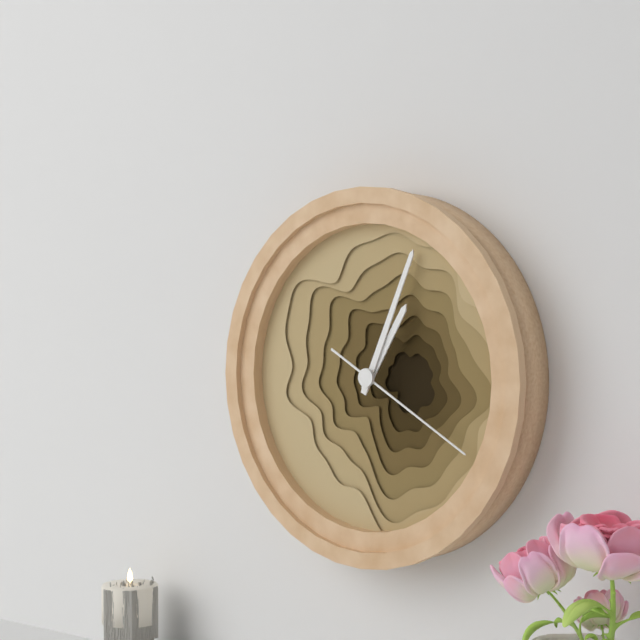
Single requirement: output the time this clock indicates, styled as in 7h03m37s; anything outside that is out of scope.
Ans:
1h04m20s
